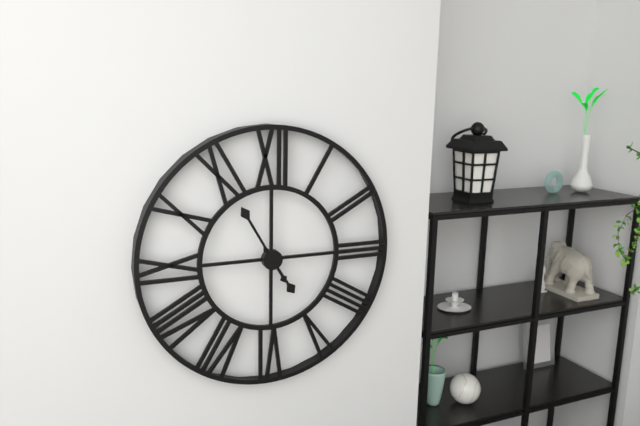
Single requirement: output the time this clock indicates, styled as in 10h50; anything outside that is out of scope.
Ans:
4h55
